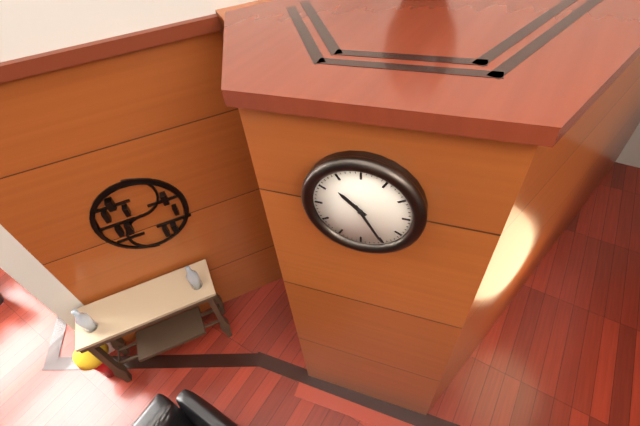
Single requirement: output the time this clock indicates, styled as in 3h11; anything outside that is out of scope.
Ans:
10h25
